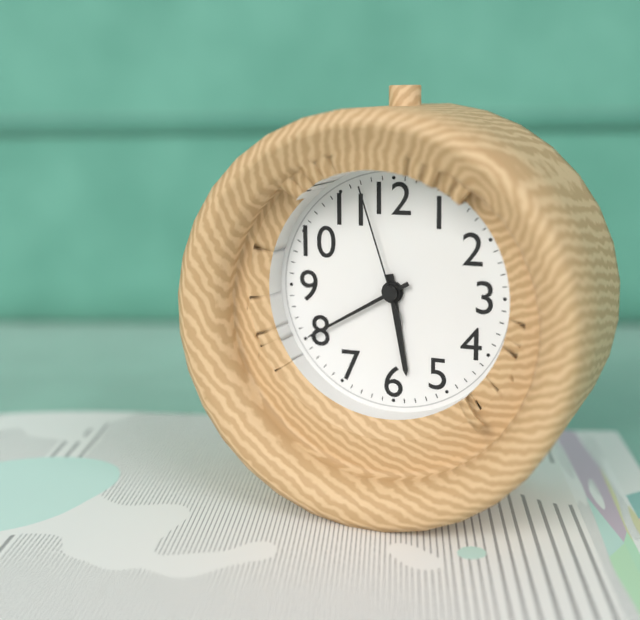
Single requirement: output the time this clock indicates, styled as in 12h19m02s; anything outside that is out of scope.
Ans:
5h40m57s
